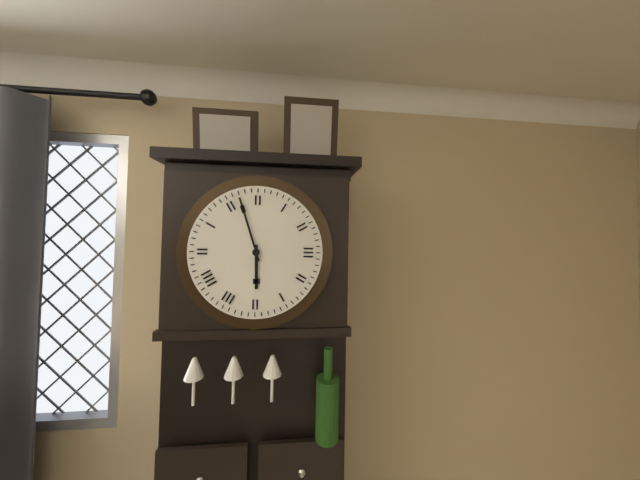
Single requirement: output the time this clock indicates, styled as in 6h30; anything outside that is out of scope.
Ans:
5h57
